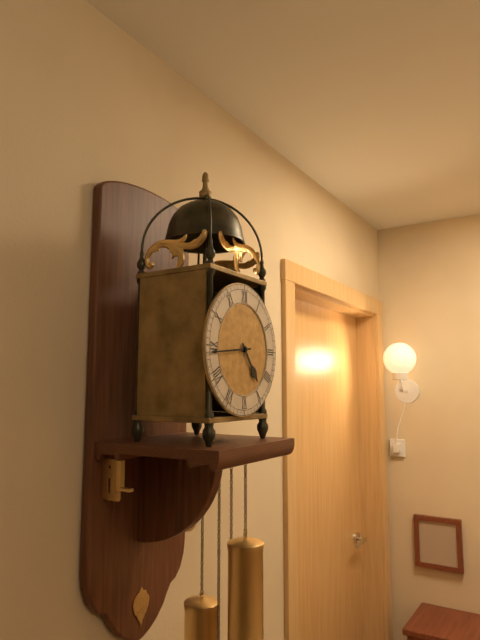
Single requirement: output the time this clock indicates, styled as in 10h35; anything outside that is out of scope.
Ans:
4h44
